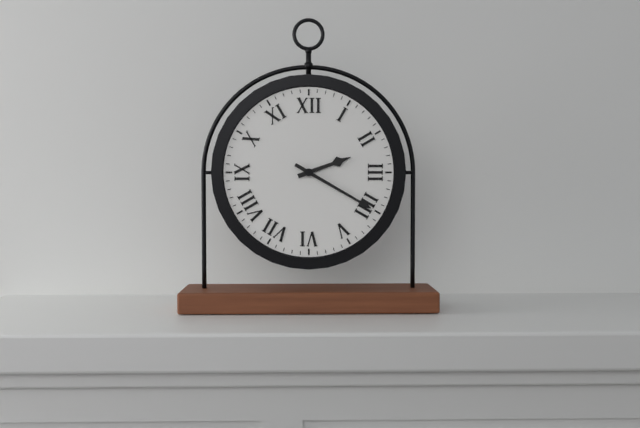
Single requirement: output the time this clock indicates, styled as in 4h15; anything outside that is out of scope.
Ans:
2h20
